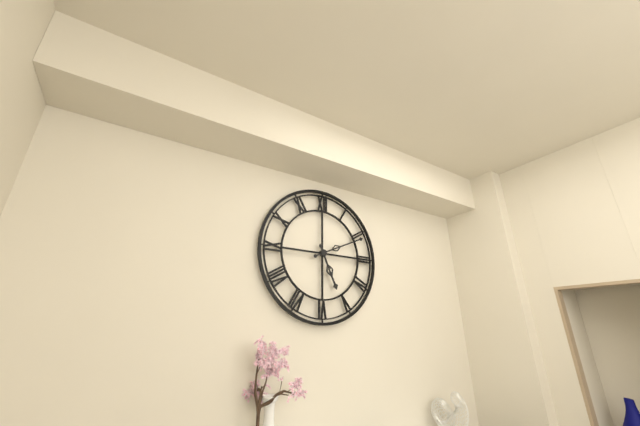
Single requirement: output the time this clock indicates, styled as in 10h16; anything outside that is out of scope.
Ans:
5h11
